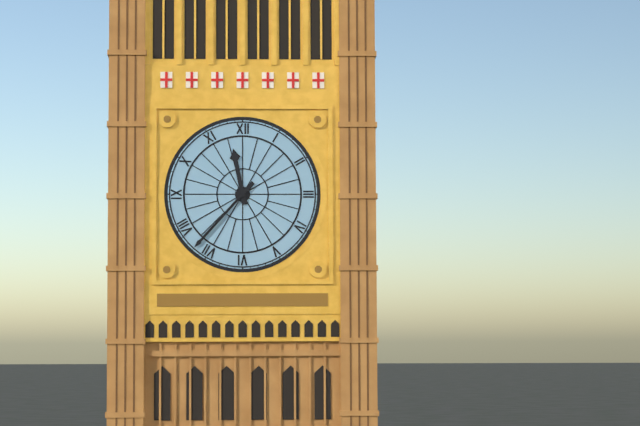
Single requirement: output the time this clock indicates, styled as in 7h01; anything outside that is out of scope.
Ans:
11h37
